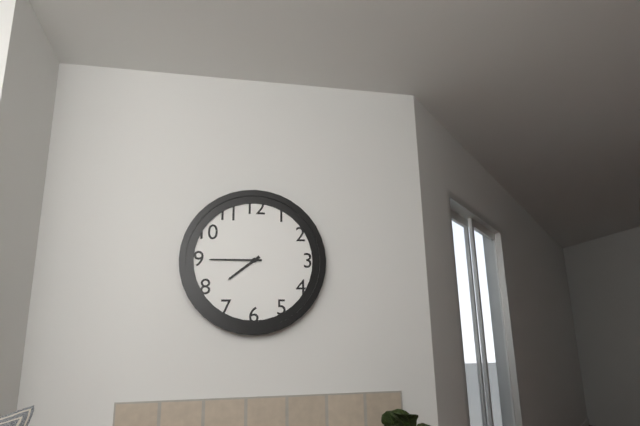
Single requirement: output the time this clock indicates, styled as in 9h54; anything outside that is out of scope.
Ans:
7h45
